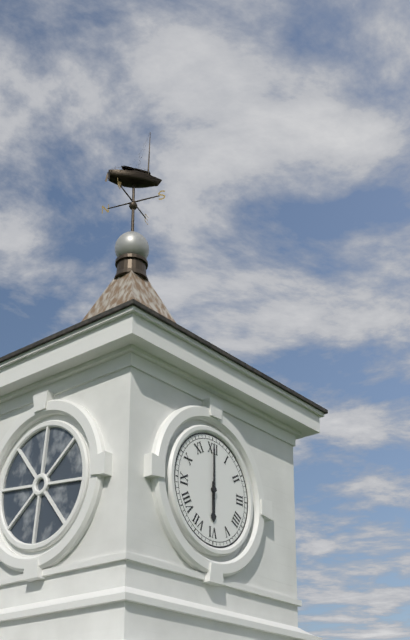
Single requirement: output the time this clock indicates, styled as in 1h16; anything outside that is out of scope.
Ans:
6h00
